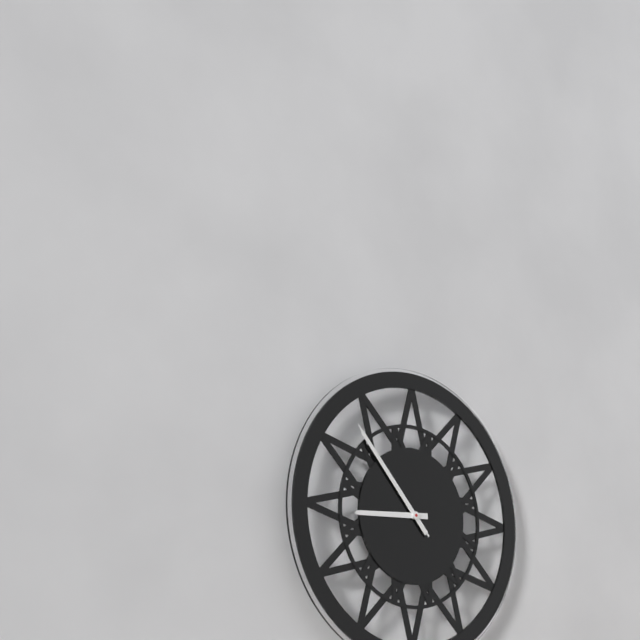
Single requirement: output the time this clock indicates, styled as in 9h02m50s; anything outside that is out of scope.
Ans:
8h53m53s
